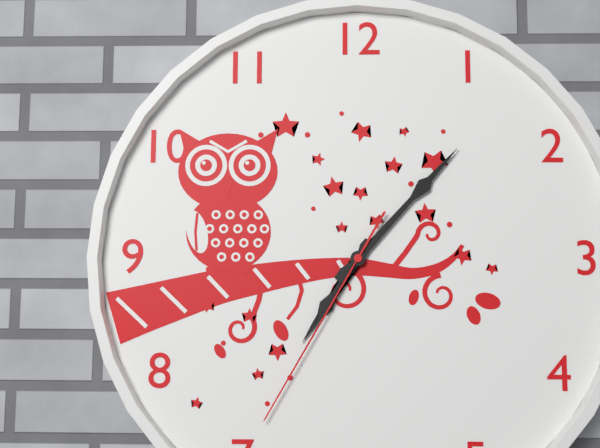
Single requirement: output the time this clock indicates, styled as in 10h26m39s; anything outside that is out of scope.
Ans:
7h07m35s
